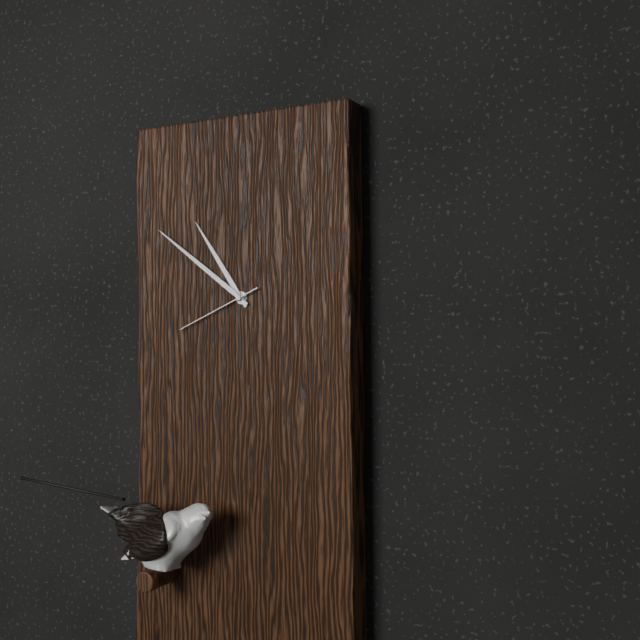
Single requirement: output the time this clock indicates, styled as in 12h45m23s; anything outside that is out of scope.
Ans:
10h51m41s
